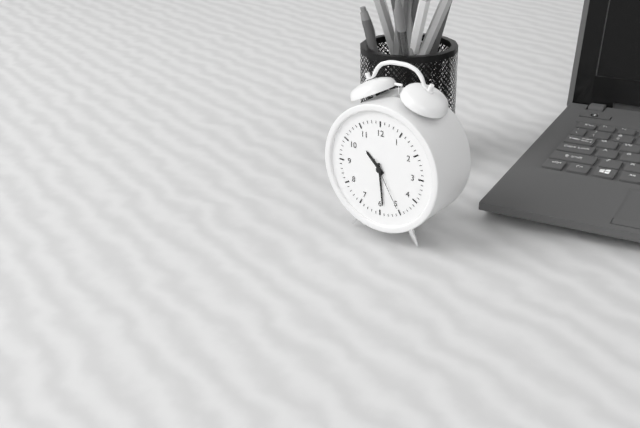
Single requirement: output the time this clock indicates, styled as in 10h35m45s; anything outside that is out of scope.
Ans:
10h29m25s
